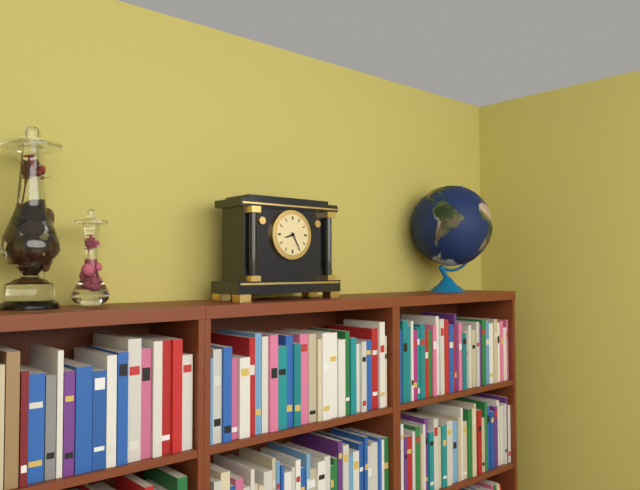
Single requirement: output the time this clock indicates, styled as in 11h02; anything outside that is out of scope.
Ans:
8h25
